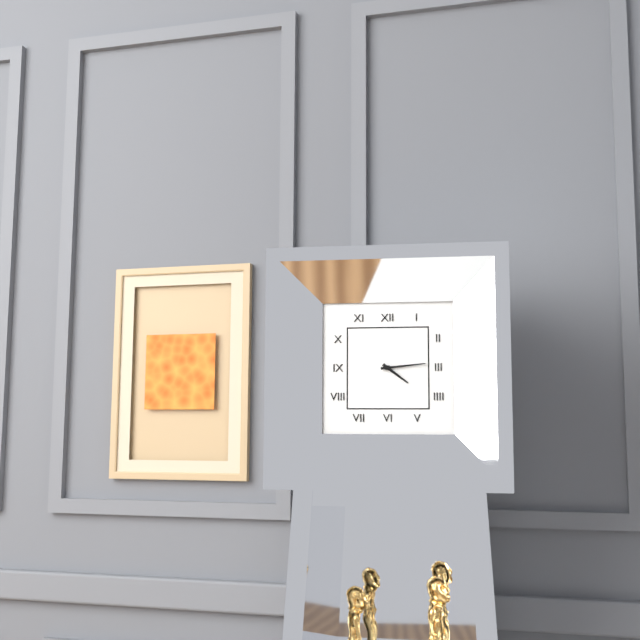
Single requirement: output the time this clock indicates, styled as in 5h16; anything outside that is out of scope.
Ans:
4h14
